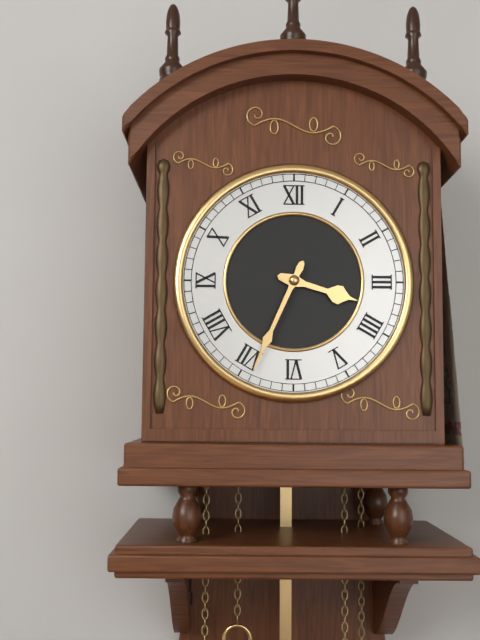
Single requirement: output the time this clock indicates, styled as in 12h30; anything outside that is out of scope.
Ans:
3h34
